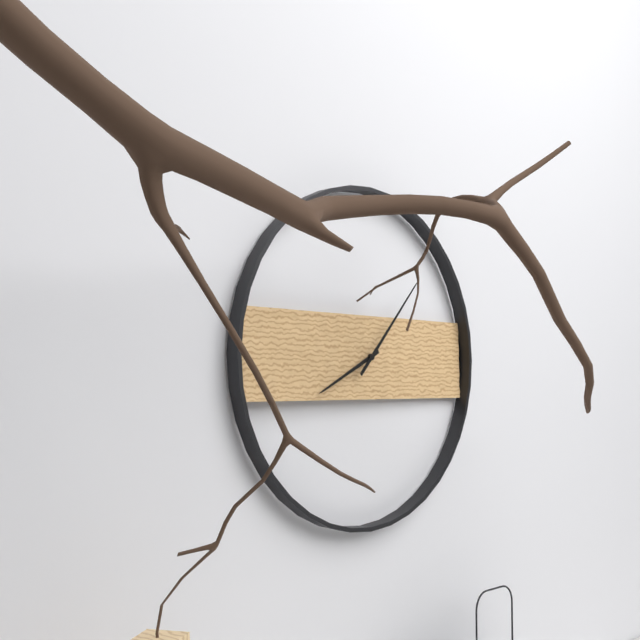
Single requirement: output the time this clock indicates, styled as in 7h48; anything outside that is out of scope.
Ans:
8h07
